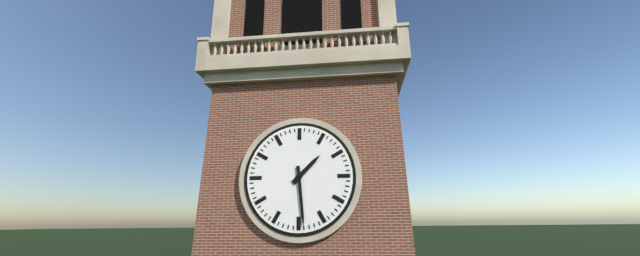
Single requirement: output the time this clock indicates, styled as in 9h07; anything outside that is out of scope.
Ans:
1h29
